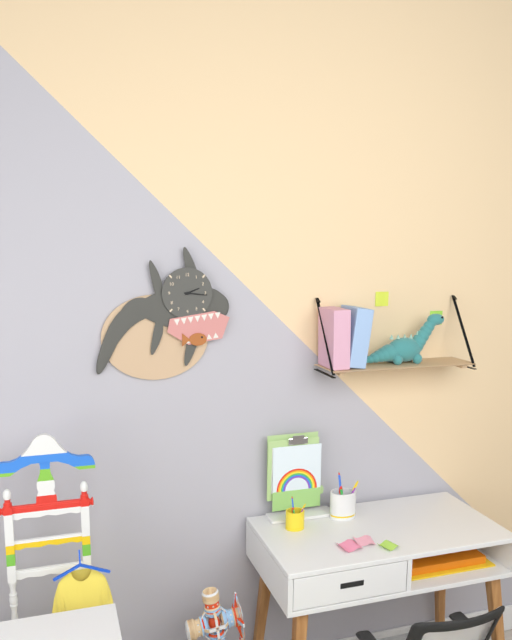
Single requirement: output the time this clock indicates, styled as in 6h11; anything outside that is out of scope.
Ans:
2h16
